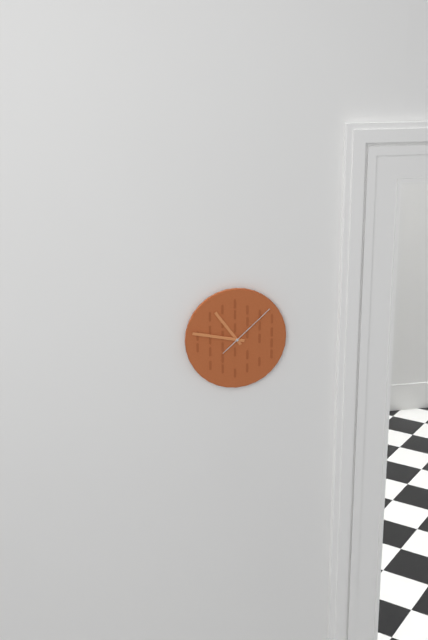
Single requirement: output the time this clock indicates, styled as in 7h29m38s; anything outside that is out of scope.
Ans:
10h47m08s
